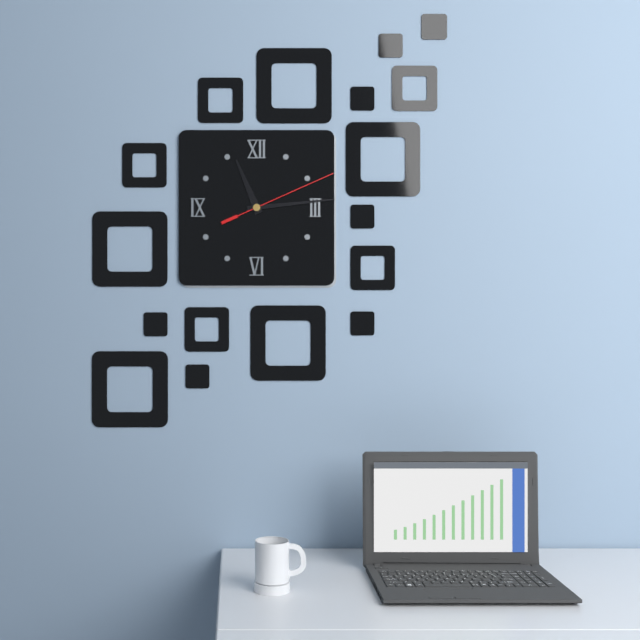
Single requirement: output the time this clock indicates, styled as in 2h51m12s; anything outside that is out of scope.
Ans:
11h14m11s
